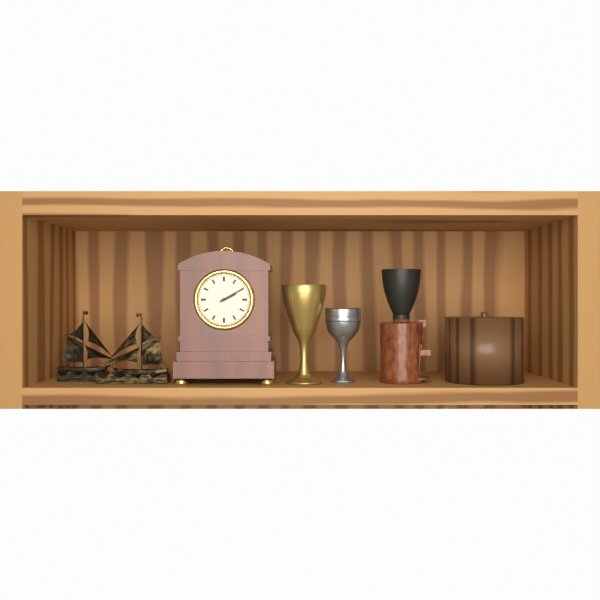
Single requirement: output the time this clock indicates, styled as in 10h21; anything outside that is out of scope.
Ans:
2h10
